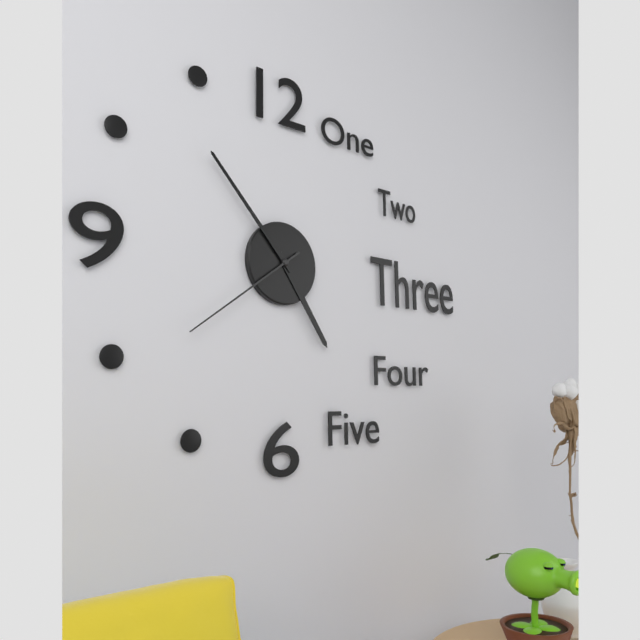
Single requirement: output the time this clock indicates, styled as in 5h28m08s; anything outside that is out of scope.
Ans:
4h53m39s
